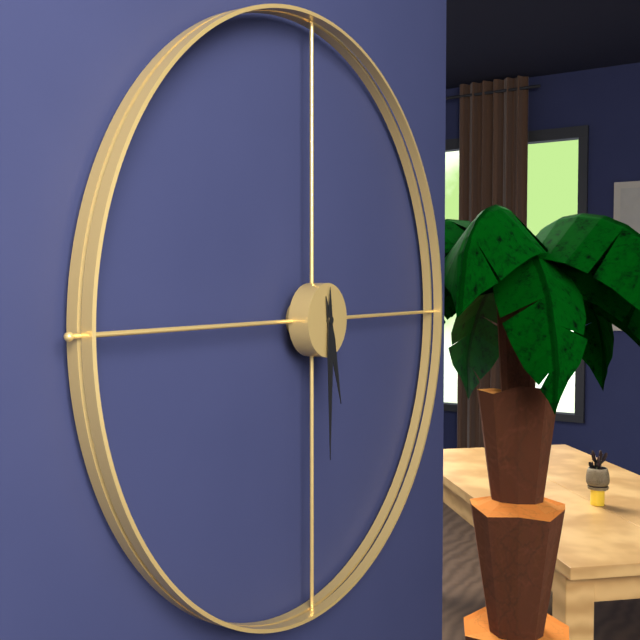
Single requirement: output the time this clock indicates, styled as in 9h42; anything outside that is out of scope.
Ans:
5h30
